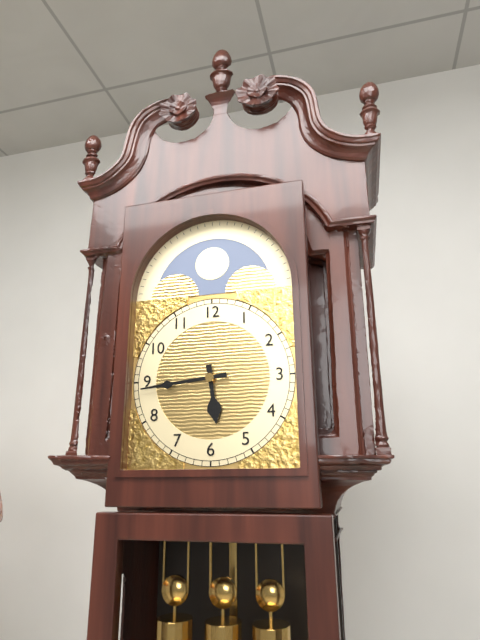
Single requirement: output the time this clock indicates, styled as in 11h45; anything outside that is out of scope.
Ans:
5h44
